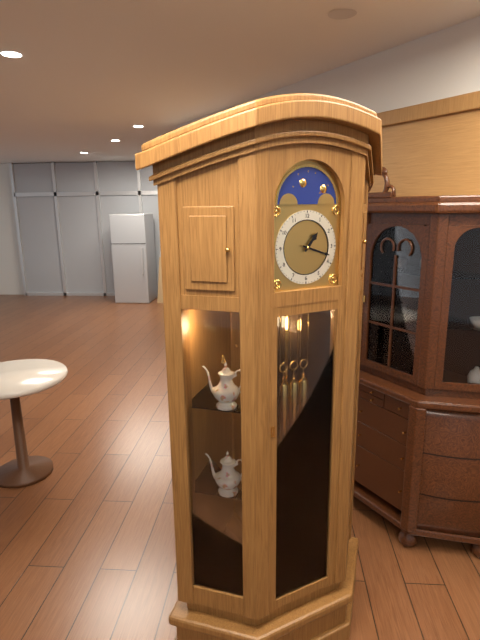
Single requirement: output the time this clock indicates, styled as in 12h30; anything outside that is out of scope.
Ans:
1h18
